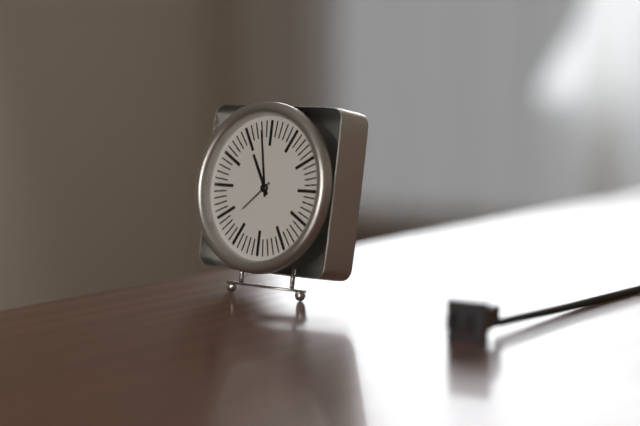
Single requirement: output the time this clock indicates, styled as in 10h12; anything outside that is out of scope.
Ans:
10h58
